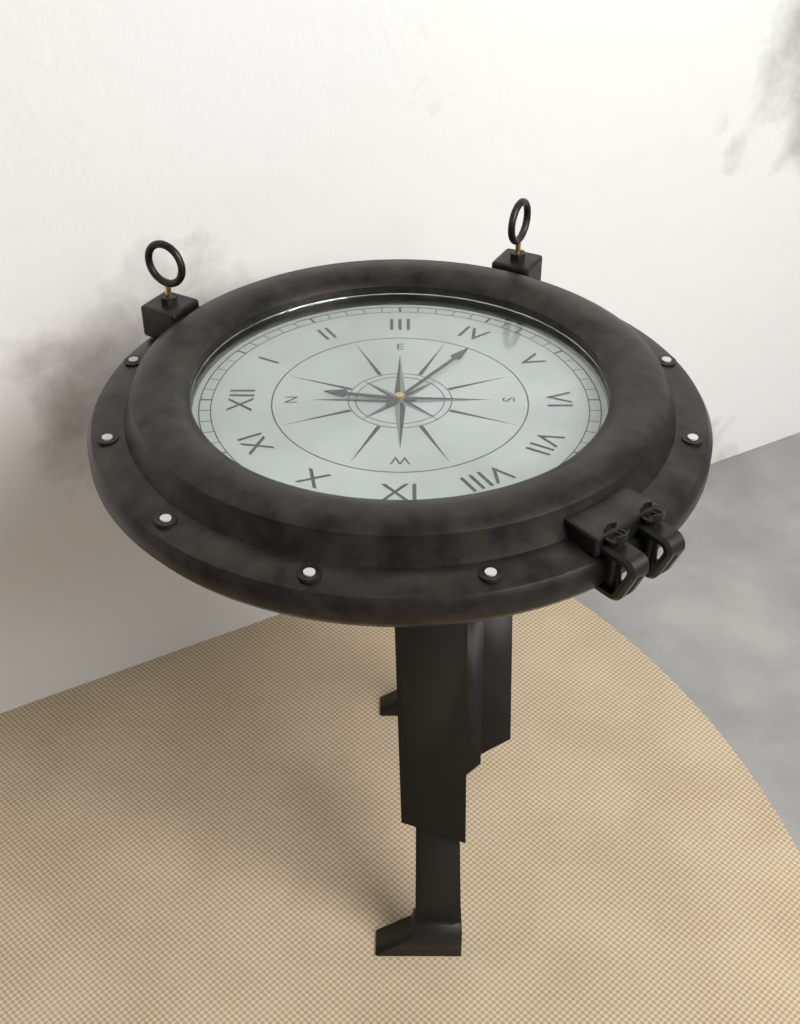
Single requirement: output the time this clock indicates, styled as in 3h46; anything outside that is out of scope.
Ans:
12h21
